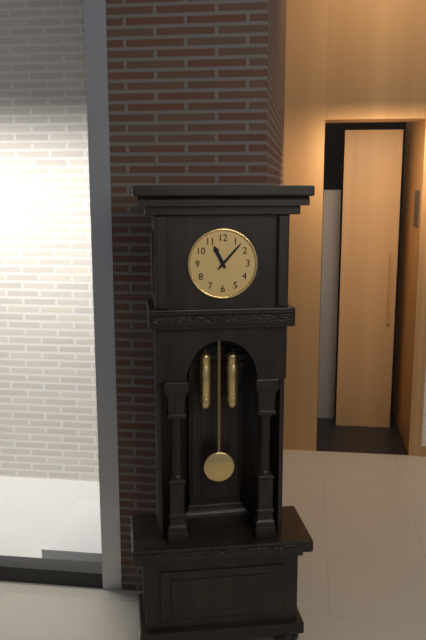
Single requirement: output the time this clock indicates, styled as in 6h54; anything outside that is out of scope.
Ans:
11h07
